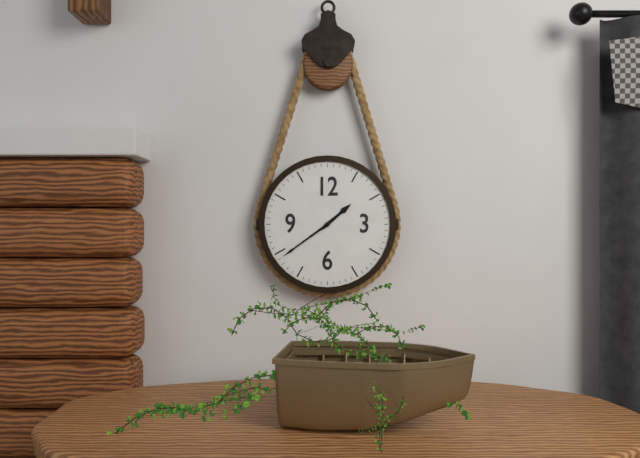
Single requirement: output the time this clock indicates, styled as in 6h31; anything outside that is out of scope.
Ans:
1h39
